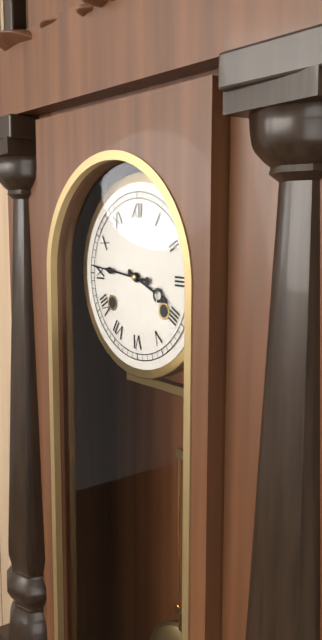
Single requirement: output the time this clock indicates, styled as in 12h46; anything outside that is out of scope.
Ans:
3h46
